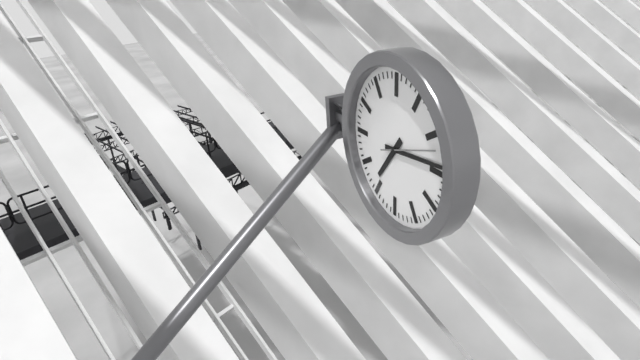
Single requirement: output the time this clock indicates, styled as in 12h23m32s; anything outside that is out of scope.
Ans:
7h14m12s
